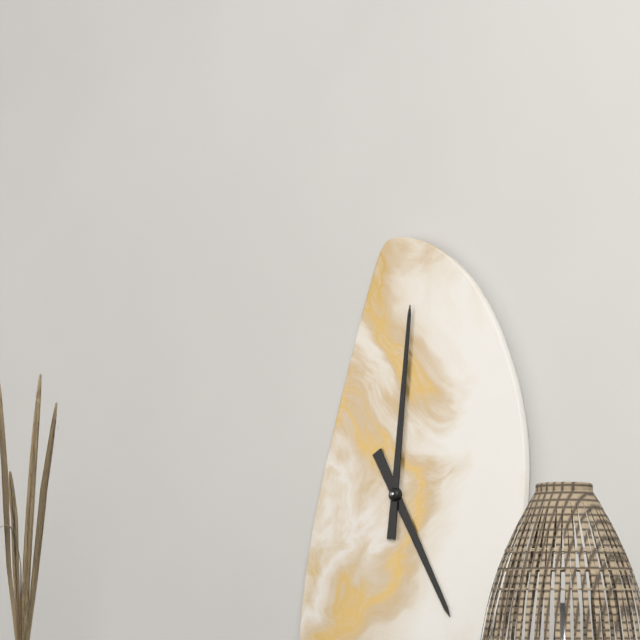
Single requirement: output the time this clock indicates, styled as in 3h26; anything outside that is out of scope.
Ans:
5h01
